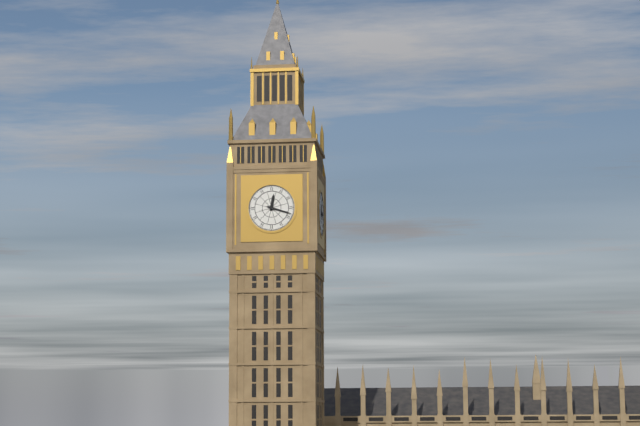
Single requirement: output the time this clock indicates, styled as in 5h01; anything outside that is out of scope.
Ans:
12h18
